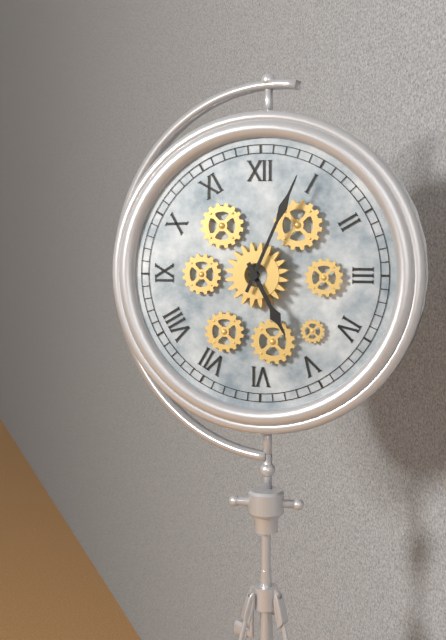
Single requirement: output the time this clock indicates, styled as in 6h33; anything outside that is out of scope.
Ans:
5h04
